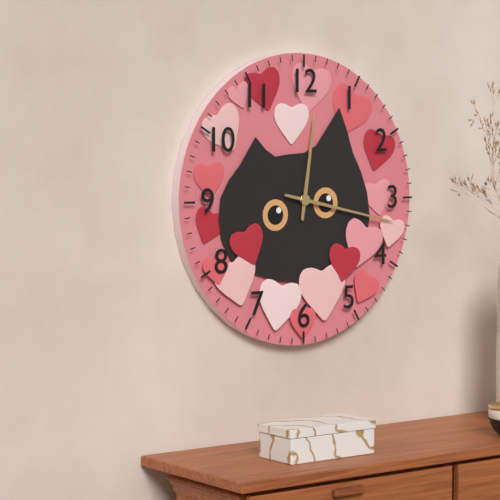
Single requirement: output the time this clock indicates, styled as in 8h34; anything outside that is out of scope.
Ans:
12h17
